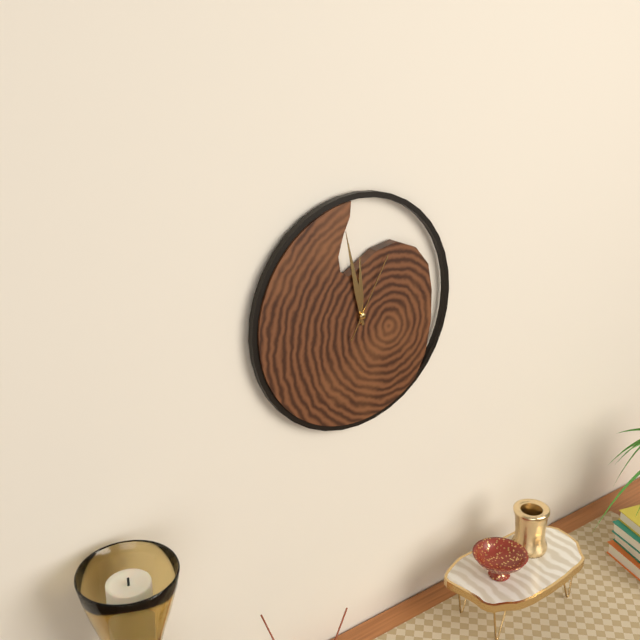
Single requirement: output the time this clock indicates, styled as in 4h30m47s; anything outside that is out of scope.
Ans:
11h58m05s
